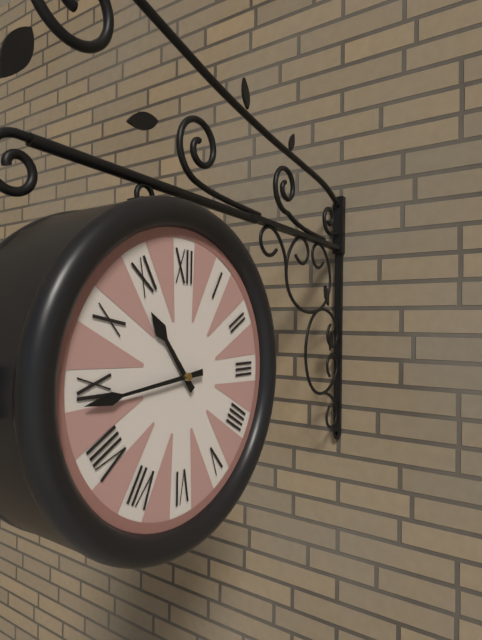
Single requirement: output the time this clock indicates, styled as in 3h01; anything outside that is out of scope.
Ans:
10h44
